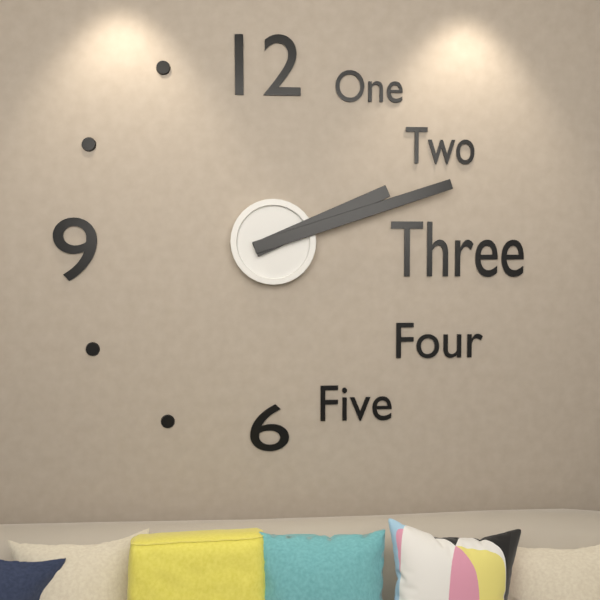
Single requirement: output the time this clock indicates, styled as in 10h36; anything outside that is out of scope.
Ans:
2h12
